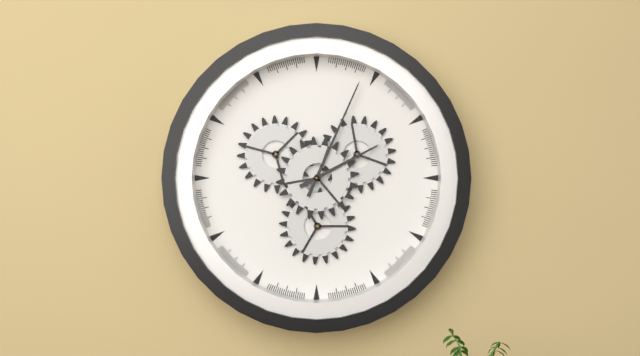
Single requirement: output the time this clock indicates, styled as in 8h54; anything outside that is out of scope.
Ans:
2h04
